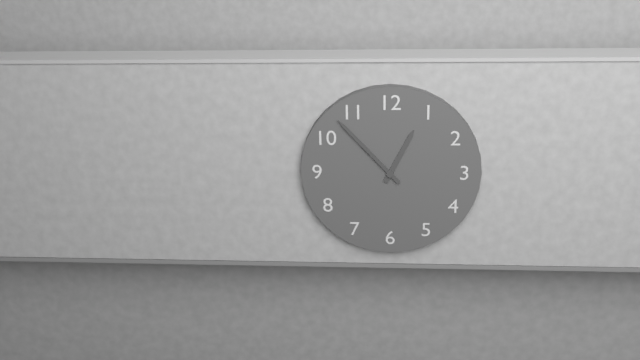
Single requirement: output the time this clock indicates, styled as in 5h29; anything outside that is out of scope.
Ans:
12h53
